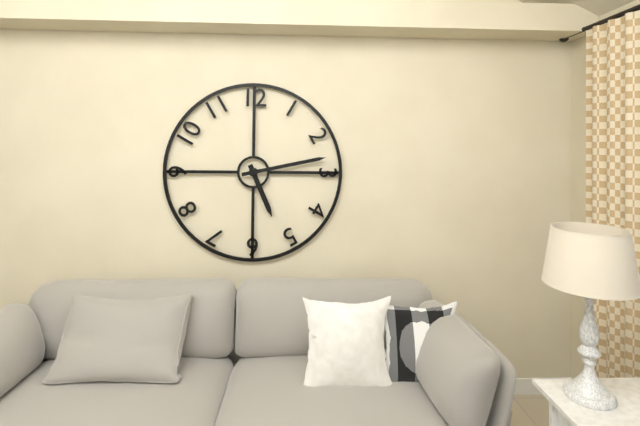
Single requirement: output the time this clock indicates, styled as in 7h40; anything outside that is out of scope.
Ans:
5h13
